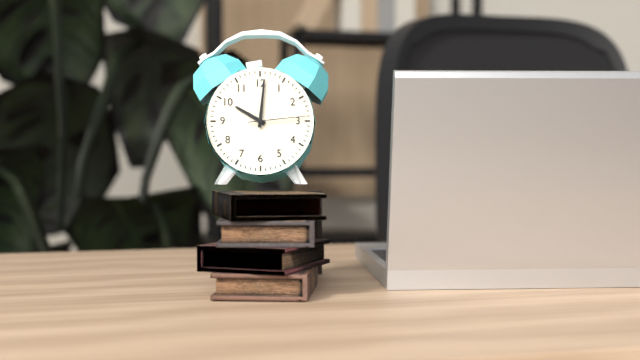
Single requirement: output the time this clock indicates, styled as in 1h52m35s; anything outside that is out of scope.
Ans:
10h01m14s
